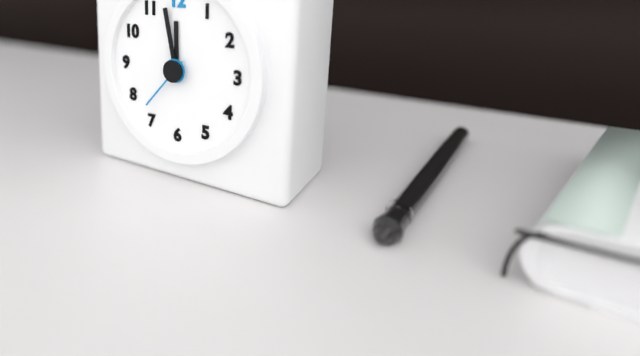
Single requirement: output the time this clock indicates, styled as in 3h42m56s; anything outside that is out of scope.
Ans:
11h58m37s
